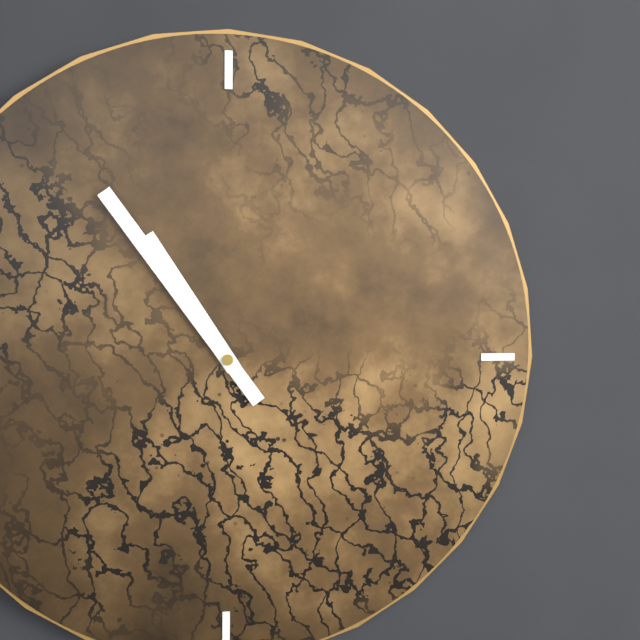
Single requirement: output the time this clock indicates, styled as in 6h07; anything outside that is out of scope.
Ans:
10h54
